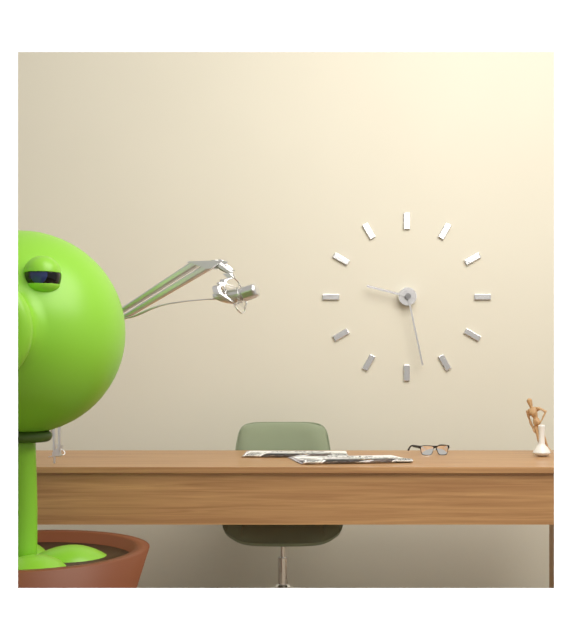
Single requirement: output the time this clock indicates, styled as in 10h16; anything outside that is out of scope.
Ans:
9h28
